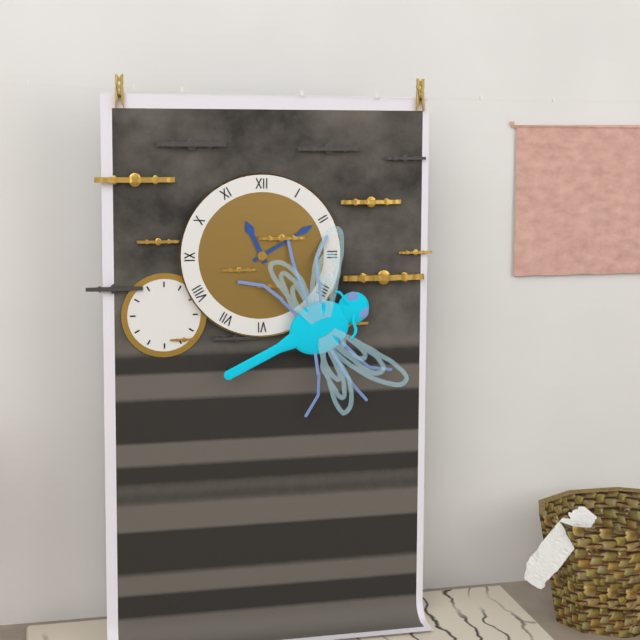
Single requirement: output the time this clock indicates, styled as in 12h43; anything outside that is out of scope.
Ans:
11h10
